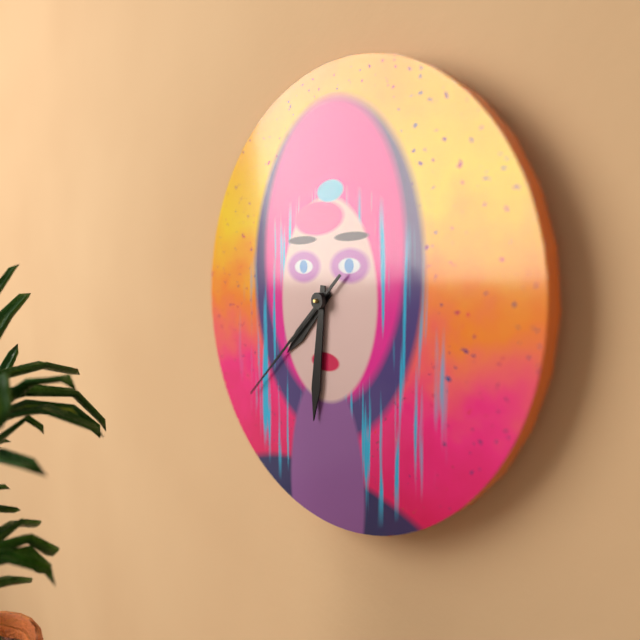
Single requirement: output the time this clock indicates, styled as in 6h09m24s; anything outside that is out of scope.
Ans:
7h31m38s
